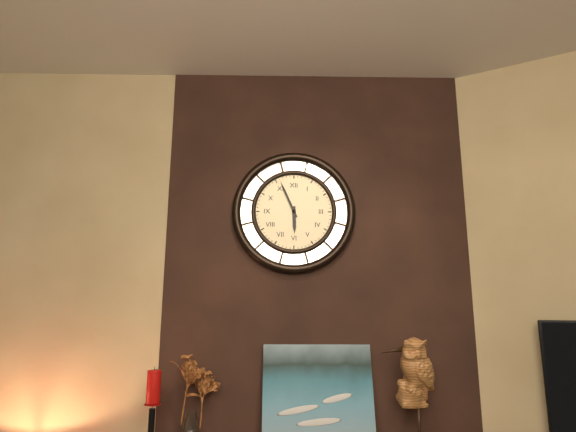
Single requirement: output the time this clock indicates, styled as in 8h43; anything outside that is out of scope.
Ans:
5h56
